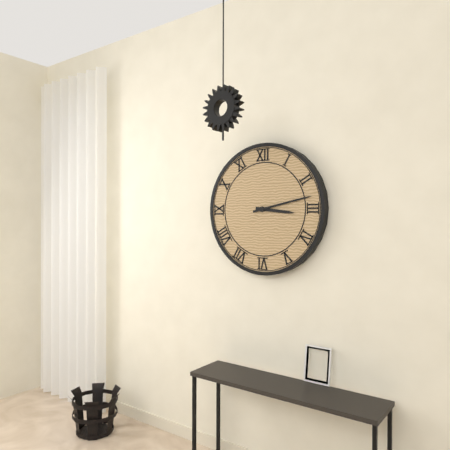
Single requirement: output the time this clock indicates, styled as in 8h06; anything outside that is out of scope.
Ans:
3h13
